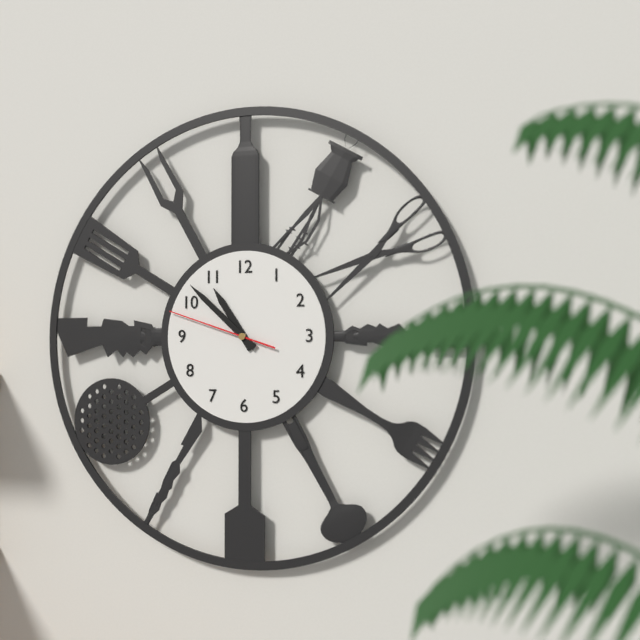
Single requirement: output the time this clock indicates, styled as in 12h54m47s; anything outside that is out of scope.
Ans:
10h52m48s
